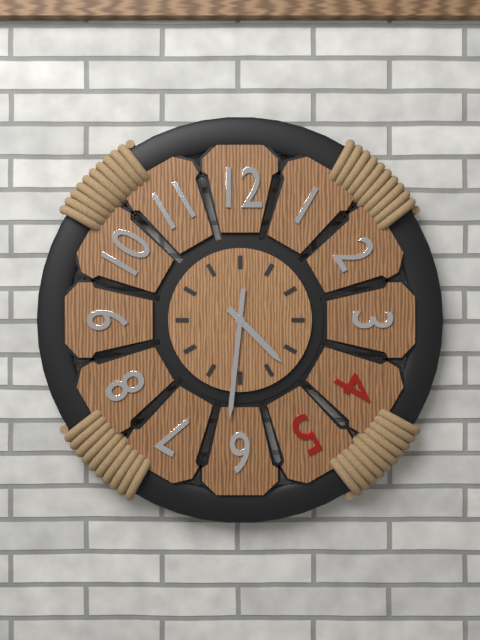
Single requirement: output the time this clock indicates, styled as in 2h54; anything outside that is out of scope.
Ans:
4h31
